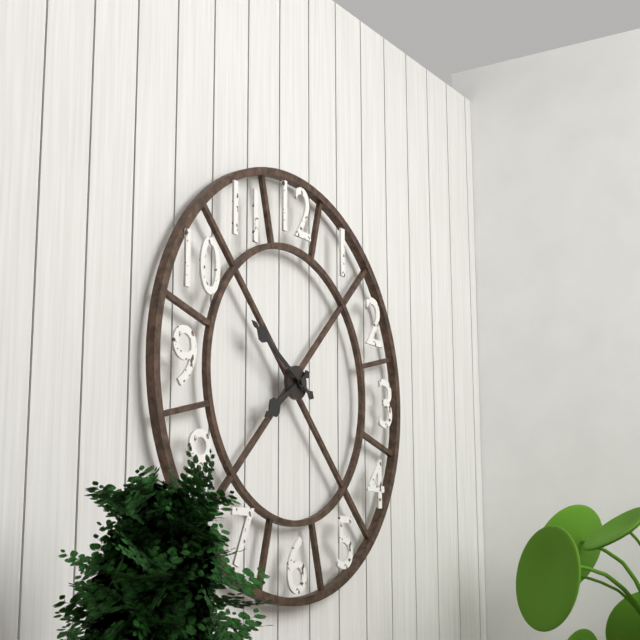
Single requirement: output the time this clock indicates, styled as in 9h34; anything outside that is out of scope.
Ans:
7h50
